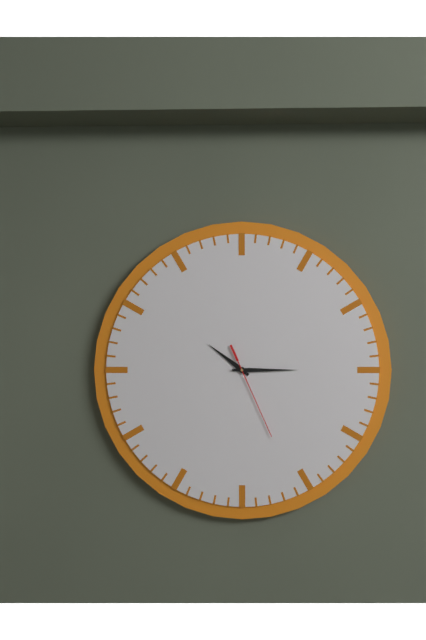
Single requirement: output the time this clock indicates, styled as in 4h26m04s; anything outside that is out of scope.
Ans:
10h15m26s
